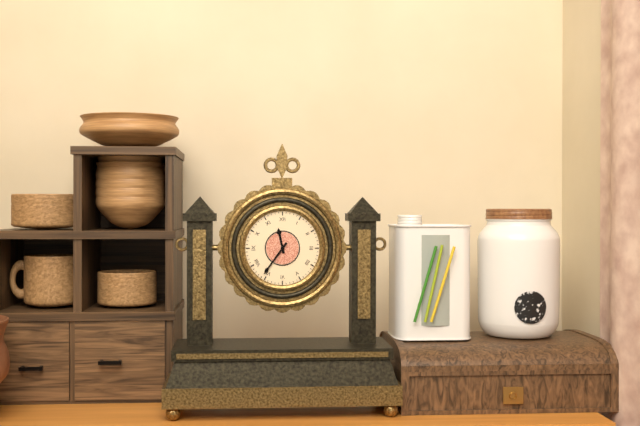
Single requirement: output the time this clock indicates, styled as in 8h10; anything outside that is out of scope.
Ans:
11h36
